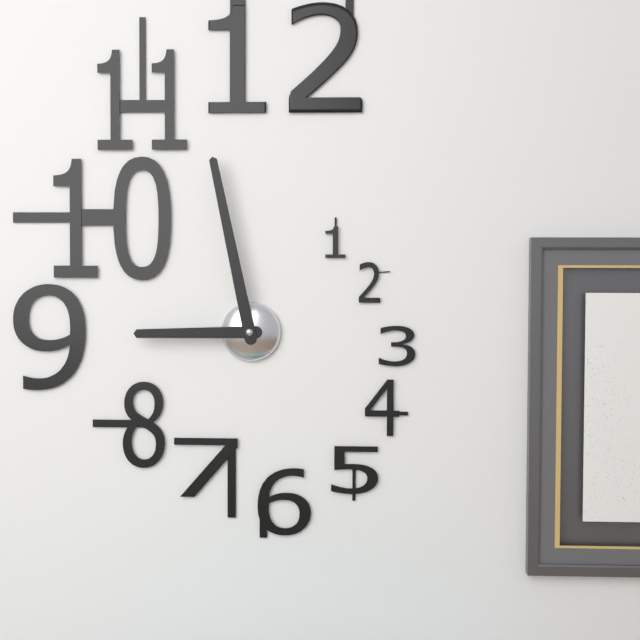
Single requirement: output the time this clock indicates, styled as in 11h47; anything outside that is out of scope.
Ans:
8h58
